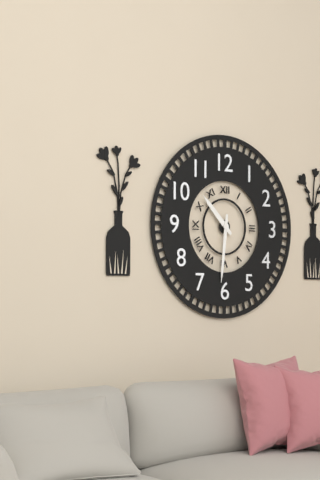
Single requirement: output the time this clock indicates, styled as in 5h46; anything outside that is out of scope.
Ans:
10h31
